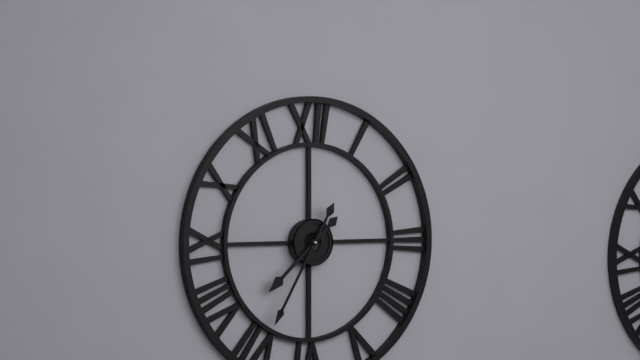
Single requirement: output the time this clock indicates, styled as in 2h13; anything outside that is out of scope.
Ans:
7h35
